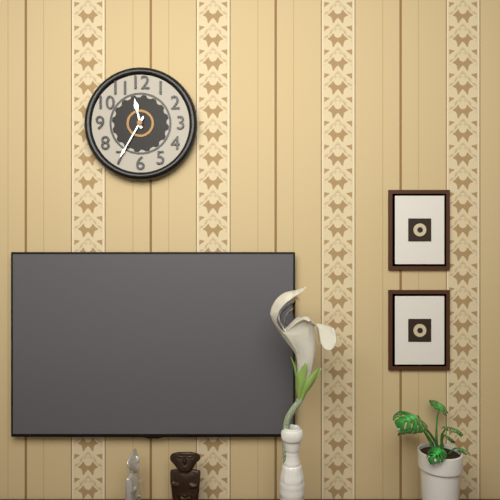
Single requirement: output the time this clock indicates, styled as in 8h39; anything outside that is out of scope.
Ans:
11h35
